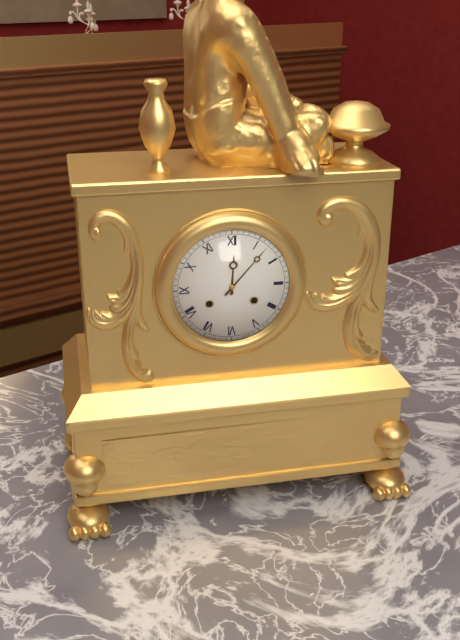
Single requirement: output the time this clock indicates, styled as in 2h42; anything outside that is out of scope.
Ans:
12h07
